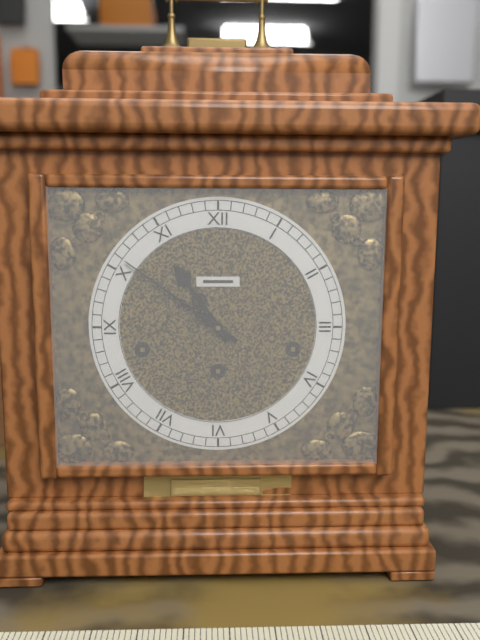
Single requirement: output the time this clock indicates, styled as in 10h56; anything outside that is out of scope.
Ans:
10h51
